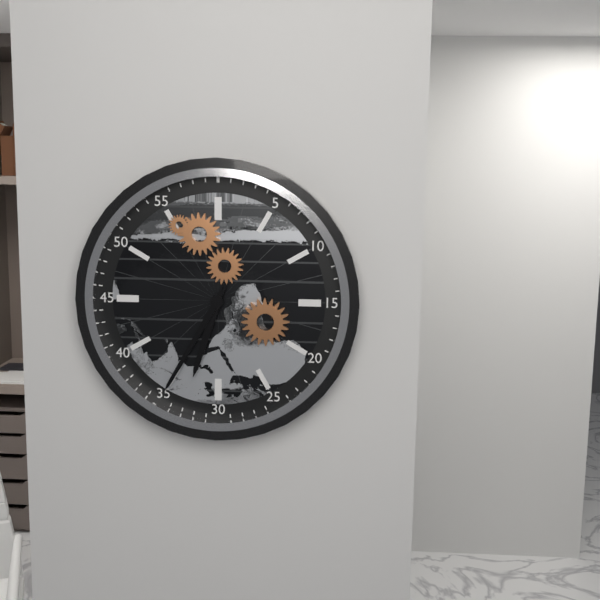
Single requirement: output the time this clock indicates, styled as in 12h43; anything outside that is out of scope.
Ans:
6h35
